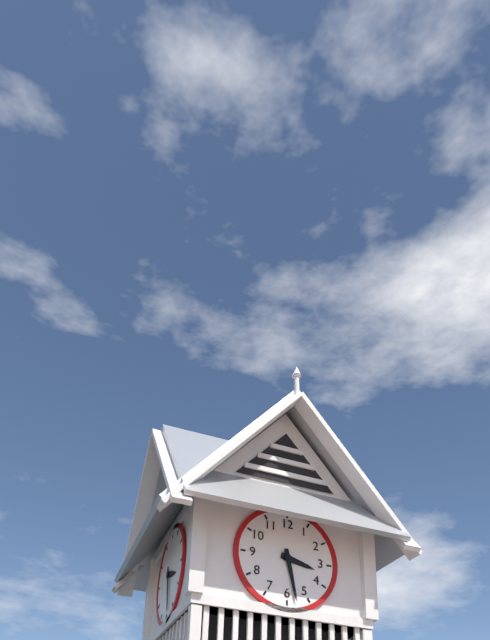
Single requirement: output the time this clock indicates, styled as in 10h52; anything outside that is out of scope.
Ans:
3h28
